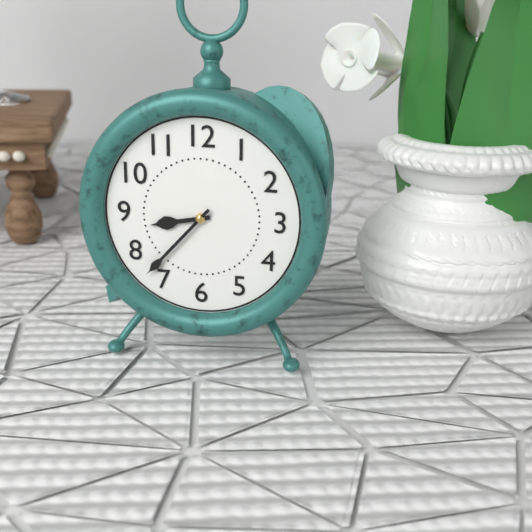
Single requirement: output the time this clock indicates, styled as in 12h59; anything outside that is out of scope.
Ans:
8h37
